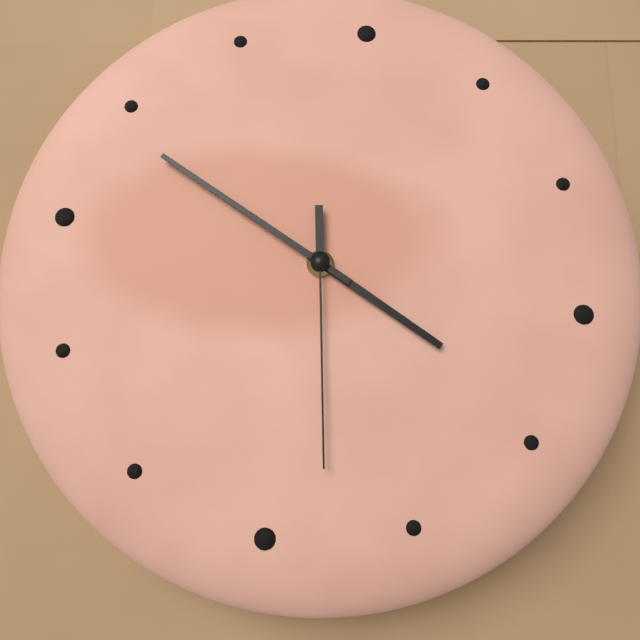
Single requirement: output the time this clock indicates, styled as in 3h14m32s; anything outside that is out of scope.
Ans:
3h49m28s
